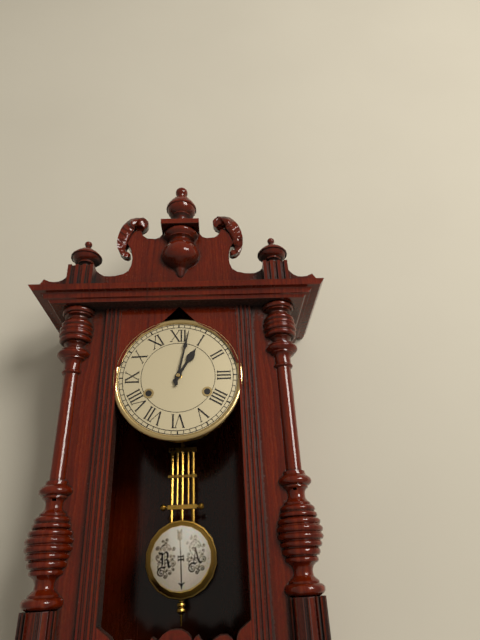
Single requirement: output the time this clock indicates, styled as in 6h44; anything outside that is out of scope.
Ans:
1h02
